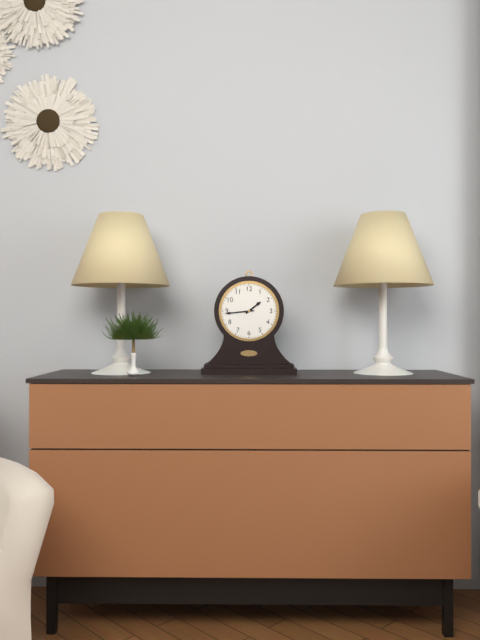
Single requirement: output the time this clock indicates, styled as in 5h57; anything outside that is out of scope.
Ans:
1h44
